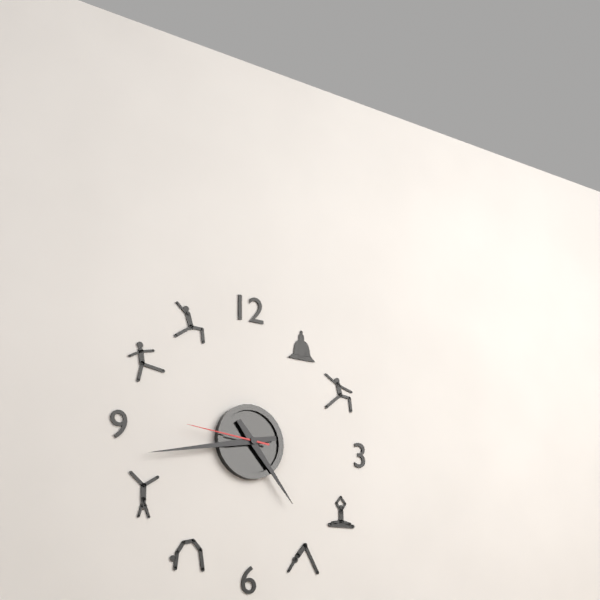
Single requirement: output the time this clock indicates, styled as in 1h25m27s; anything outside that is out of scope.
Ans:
4h43m46s
